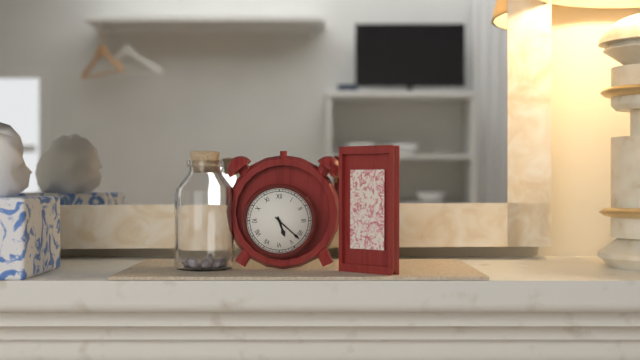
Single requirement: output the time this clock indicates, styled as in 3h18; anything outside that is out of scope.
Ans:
5h22
